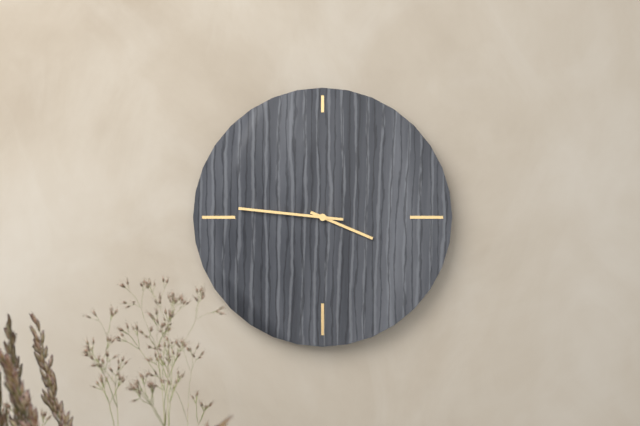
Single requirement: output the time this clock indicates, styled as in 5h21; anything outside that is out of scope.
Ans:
3h46
